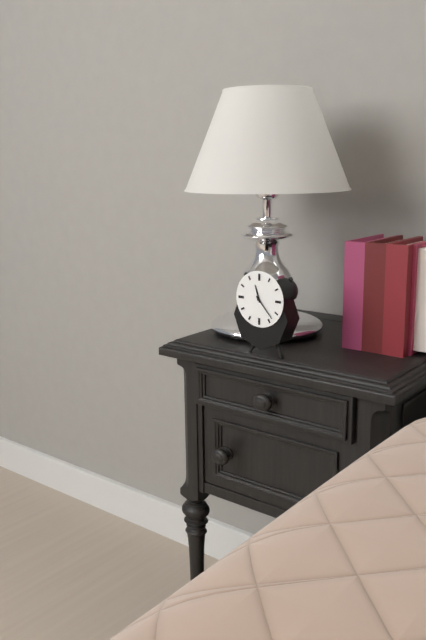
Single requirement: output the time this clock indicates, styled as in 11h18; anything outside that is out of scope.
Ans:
11h23
